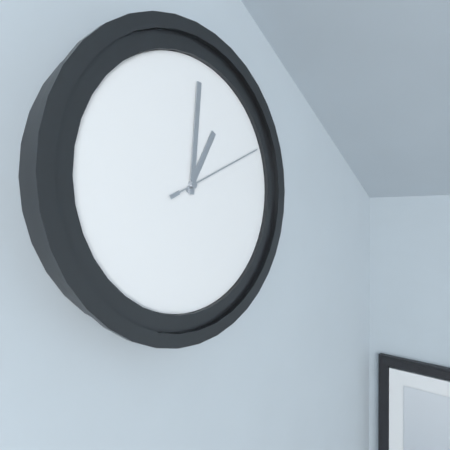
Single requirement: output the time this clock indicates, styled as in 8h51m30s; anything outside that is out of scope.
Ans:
1h01m11s
